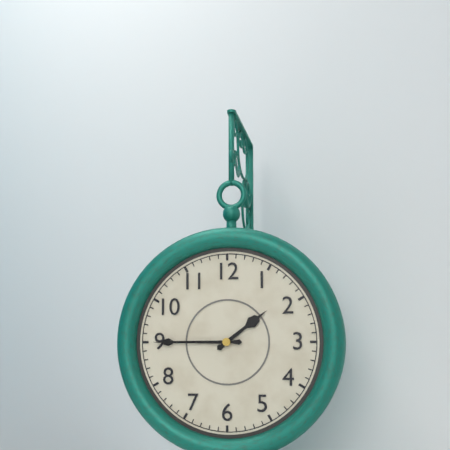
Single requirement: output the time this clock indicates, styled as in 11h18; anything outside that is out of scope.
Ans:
1h45
